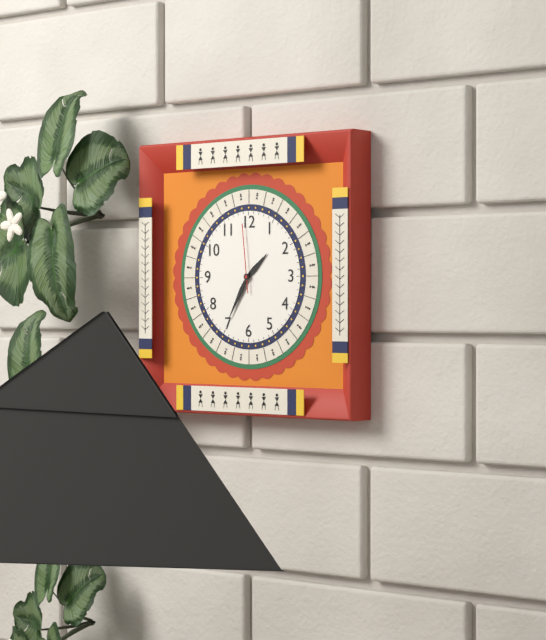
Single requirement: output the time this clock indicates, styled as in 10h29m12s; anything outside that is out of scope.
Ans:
1h35m59s
